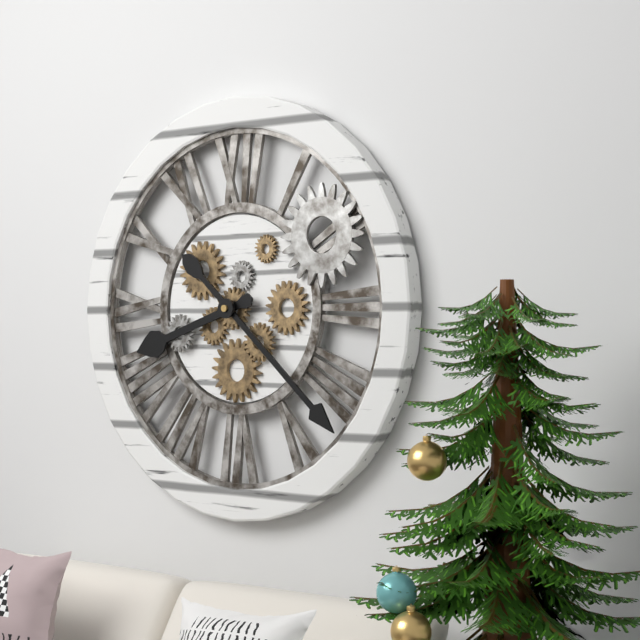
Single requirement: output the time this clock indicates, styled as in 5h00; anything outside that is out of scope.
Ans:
8h22
